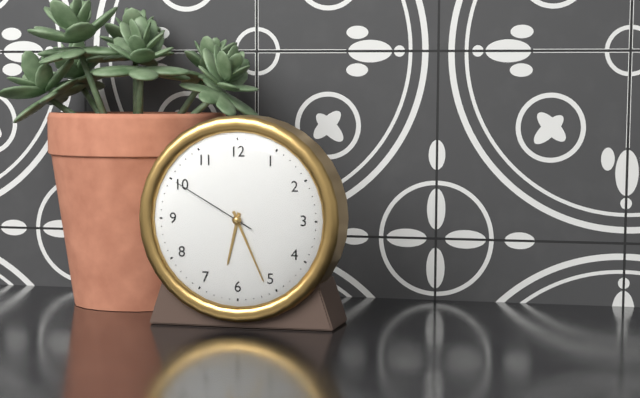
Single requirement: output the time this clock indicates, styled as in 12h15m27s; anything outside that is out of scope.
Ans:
6h26m50s
